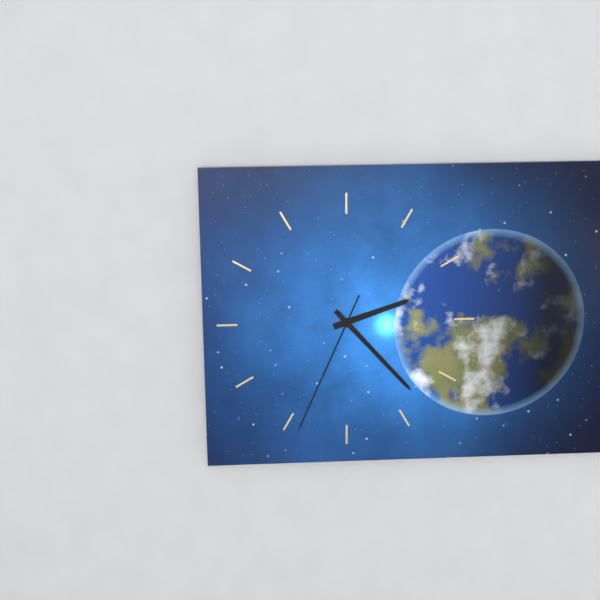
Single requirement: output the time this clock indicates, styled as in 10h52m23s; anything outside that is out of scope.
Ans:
2h23m34s
